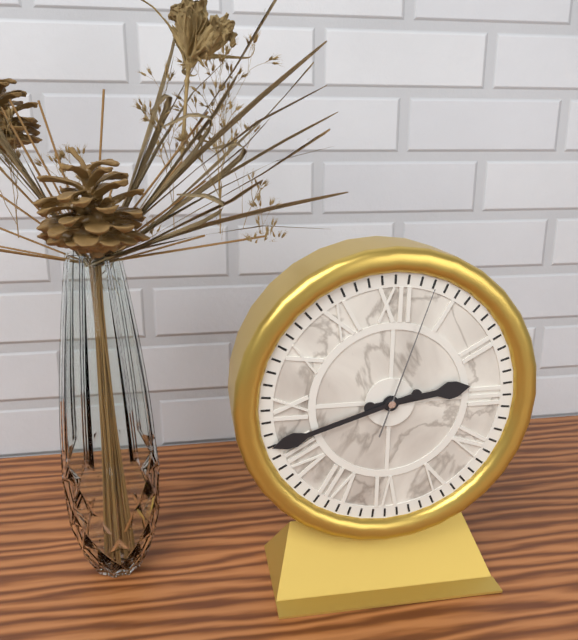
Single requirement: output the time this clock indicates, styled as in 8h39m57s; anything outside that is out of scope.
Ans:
2h42m03s
